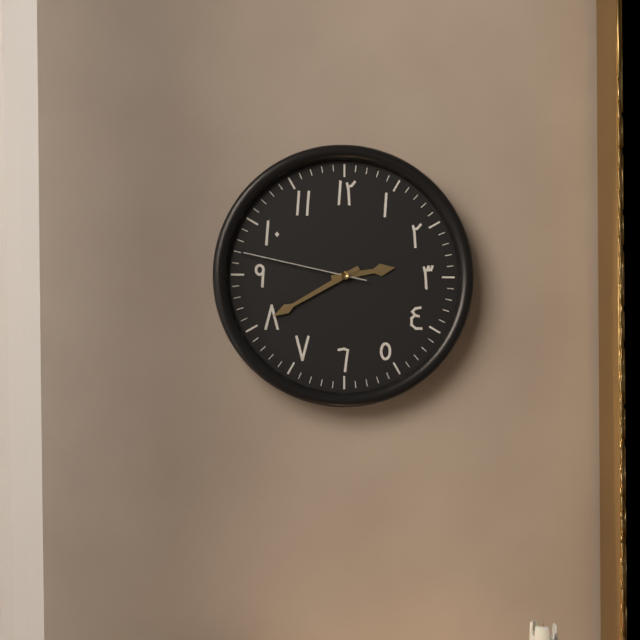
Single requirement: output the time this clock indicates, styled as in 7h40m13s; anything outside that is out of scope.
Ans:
2h40m47s
